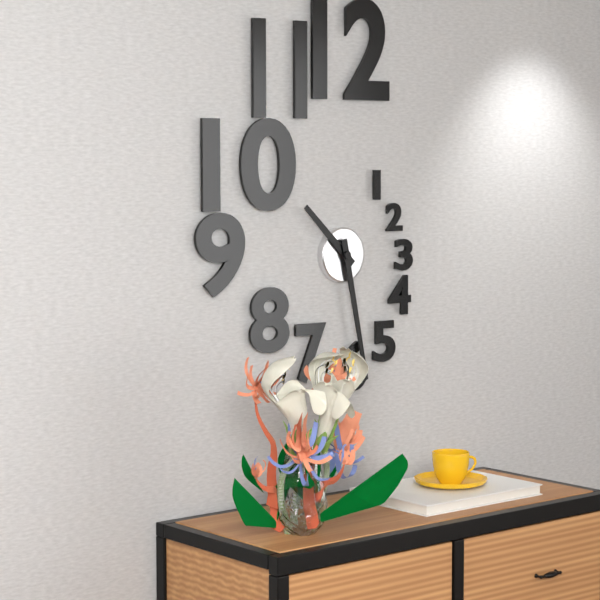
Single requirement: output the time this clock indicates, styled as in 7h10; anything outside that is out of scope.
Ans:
10h28
